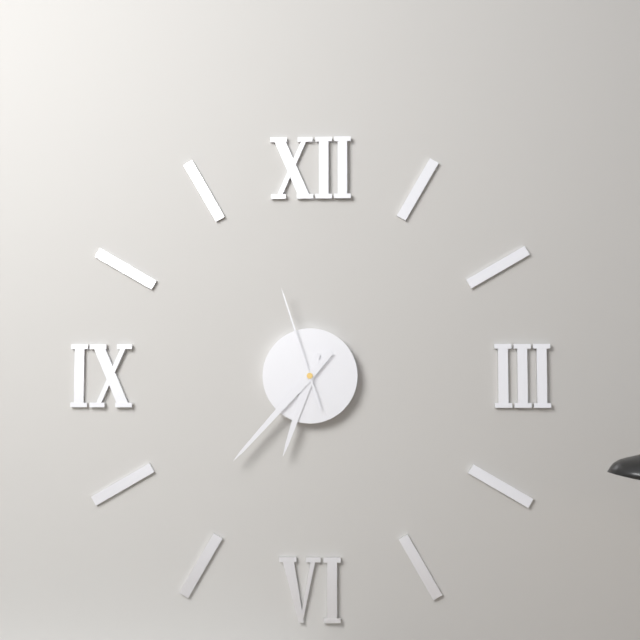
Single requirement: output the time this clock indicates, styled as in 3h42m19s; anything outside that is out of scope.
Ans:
6h37m57s
